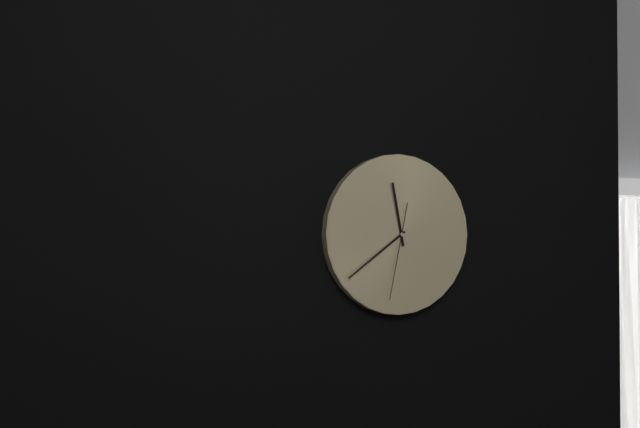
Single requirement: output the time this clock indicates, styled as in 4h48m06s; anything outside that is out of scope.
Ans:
11h39m32s
